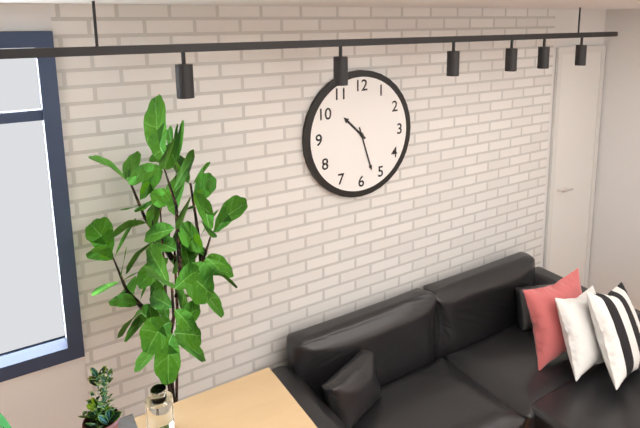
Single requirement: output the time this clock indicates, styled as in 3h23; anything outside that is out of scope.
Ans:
10h27
